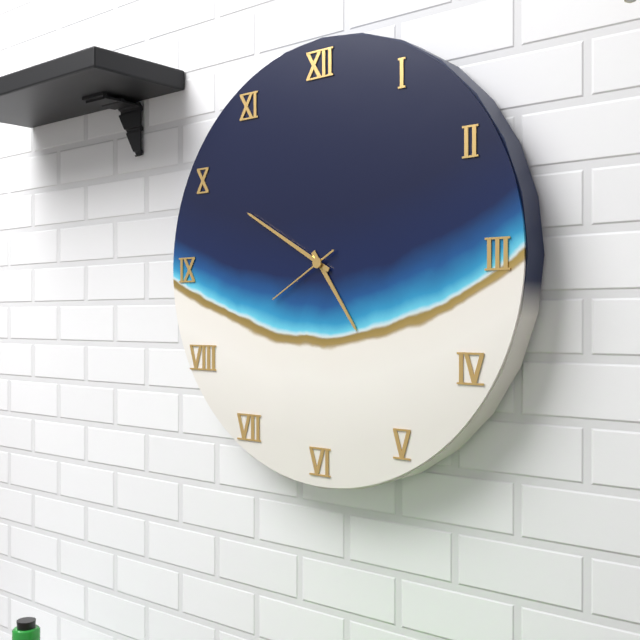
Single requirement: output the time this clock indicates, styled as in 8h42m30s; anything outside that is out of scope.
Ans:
4h50m40s
